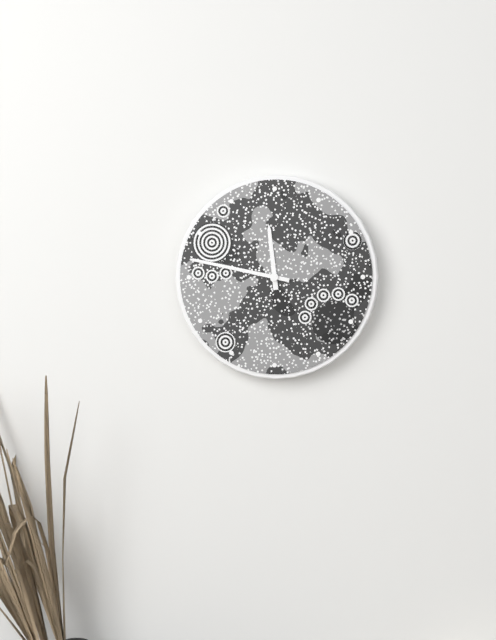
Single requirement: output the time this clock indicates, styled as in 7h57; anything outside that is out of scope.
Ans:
11h47
